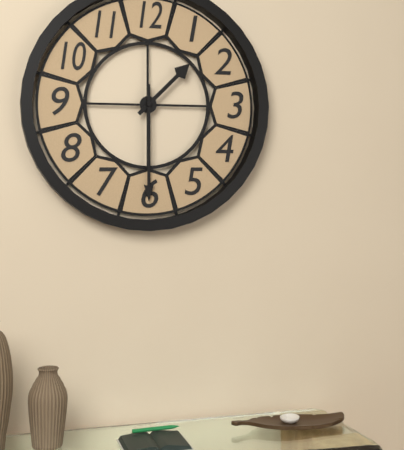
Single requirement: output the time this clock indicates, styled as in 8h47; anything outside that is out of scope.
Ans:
1h30
